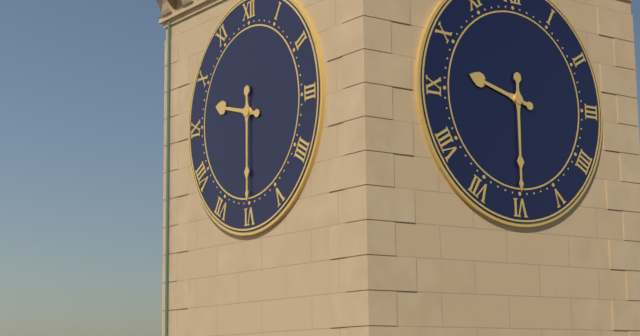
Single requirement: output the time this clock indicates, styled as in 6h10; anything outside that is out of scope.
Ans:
9h30
